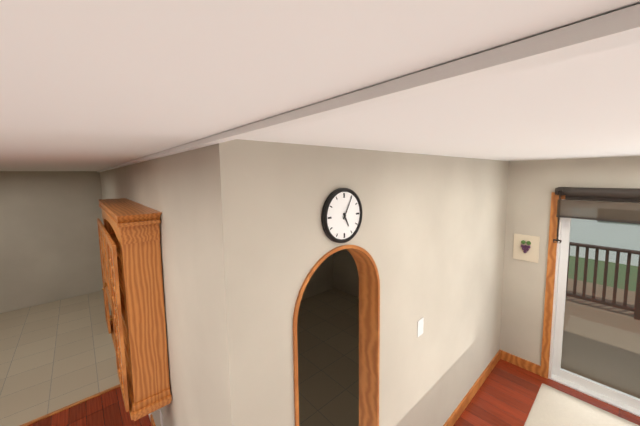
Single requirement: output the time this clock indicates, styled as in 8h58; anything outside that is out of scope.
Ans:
5h05
